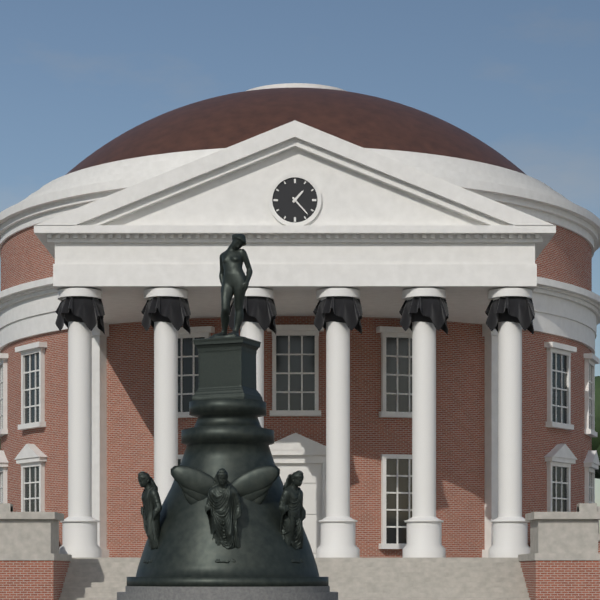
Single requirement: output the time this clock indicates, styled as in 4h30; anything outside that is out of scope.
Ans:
1h23
